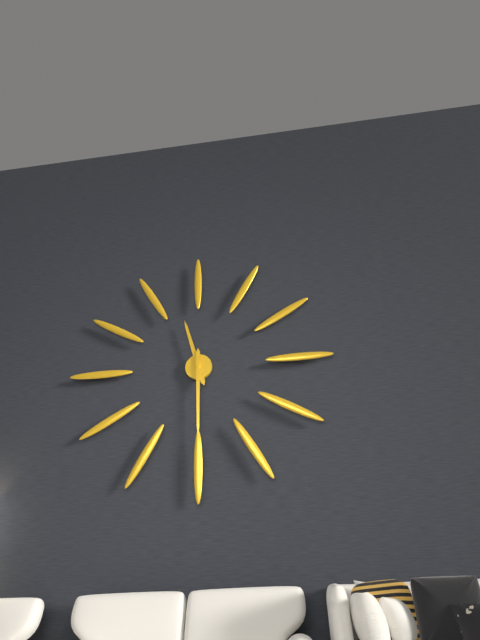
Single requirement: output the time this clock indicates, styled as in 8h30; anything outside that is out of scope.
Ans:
11h30
